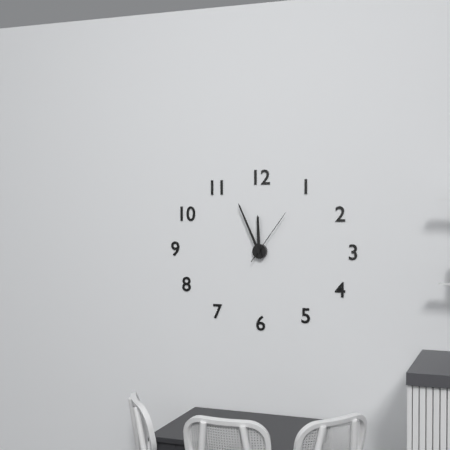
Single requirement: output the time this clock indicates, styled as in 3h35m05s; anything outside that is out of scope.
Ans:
11h56m06s
